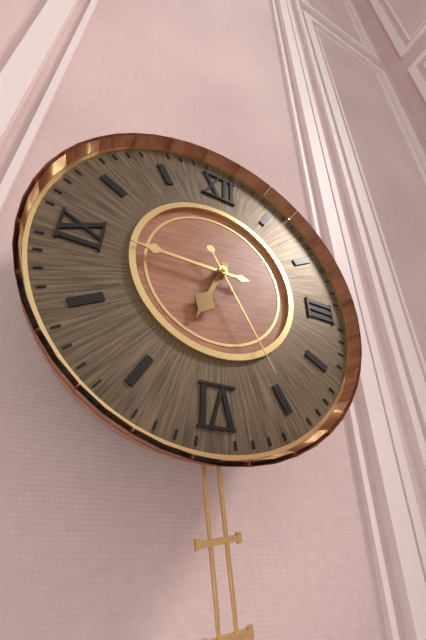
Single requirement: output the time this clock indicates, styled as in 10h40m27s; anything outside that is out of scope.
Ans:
6h45m25s
